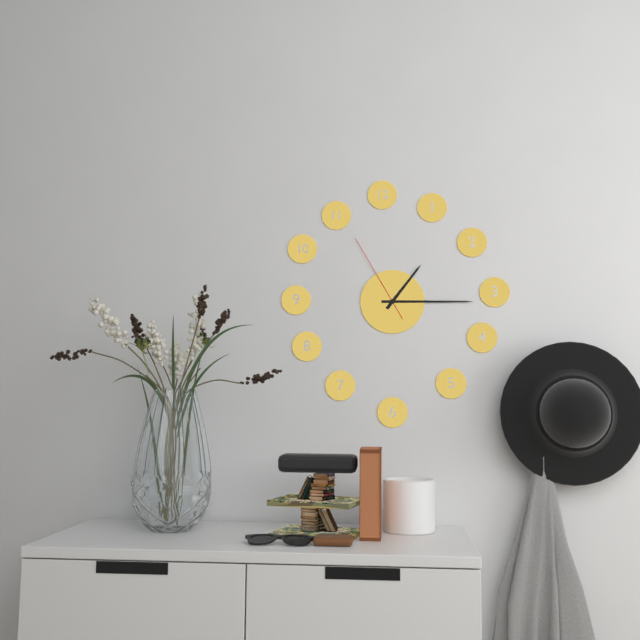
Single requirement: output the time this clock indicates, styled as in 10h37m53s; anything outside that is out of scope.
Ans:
1h15m55s
